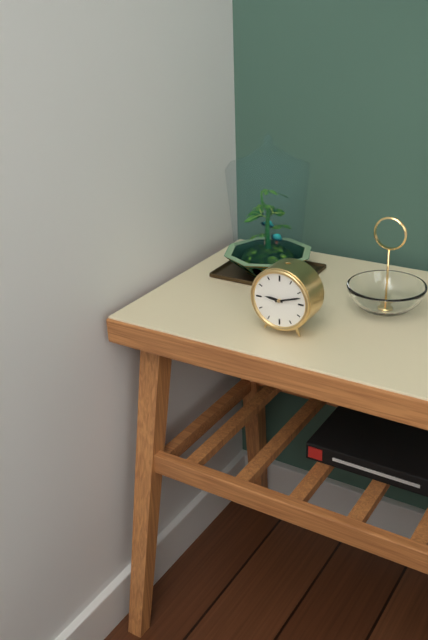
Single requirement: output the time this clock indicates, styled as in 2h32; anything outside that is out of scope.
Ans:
9h12
